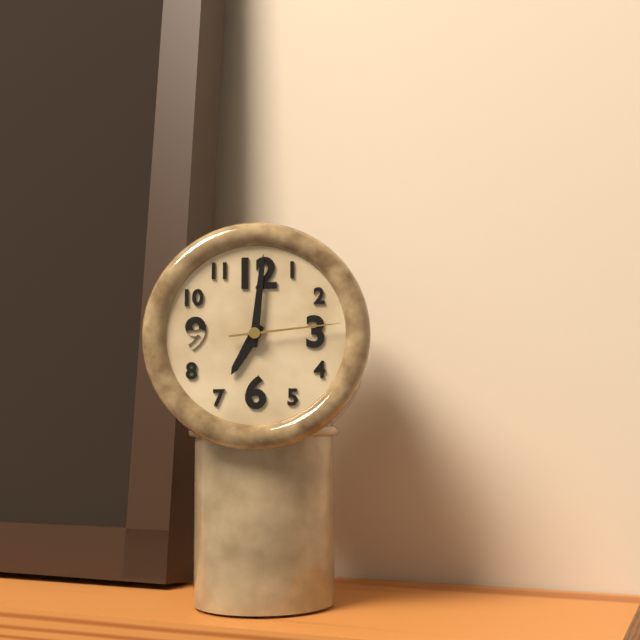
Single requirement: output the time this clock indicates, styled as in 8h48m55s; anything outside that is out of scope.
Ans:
7h01m14s
